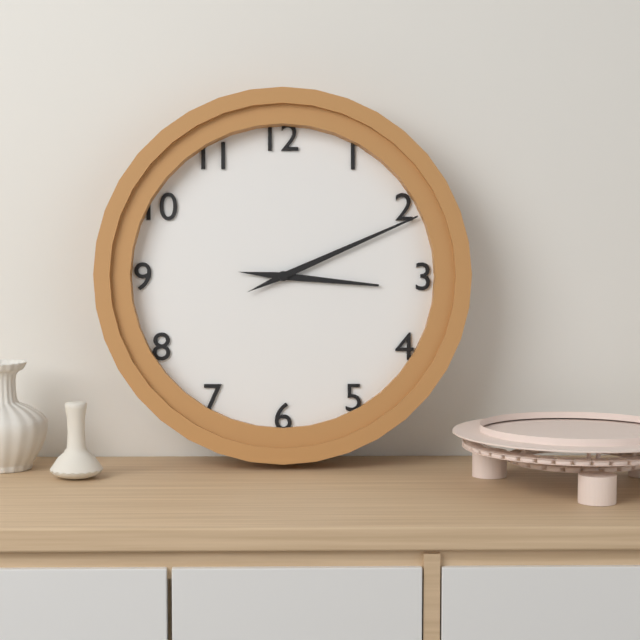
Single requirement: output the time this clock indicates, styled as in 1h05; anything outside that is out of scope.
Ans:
3h11
